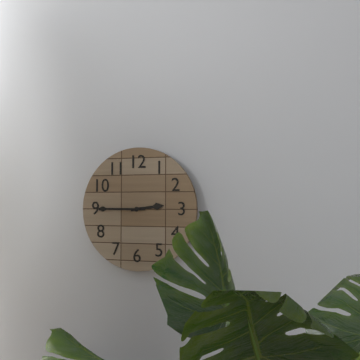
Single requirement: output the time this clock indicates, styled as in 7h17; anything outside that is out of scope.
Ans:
2h45
